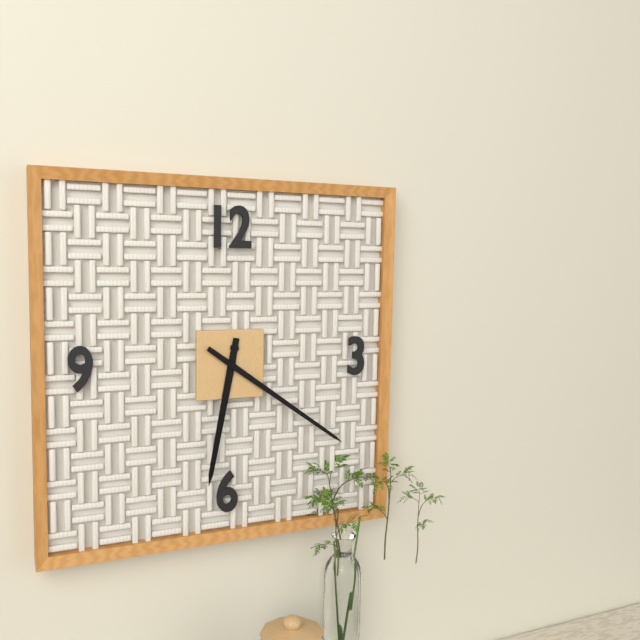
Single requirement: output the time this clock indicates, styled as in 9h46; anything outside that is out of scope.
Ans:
6h21
